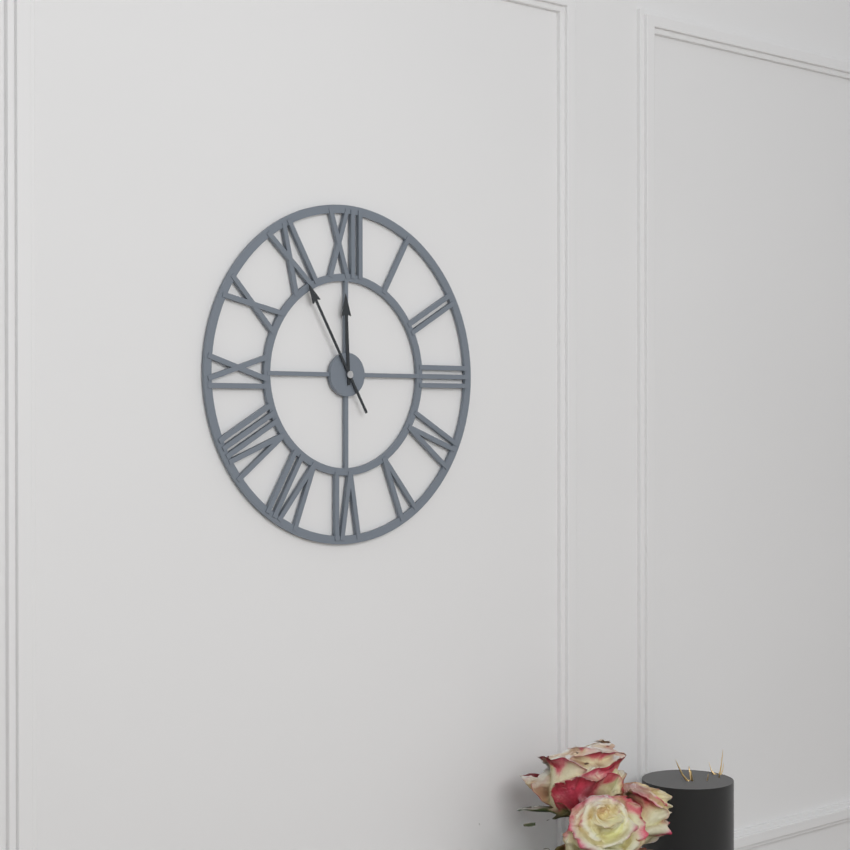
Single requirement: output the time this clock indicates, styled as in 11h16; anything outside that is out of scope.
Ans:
11h55
